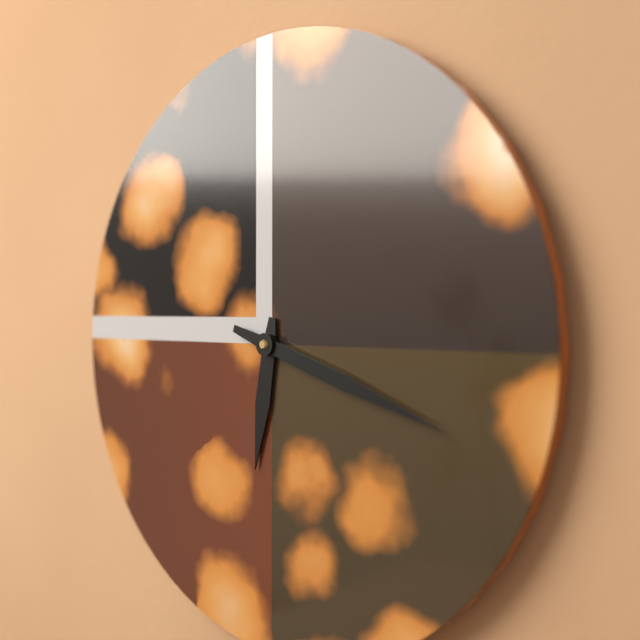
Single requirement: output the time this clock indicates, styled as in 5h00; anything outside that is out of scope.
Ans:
6h18
